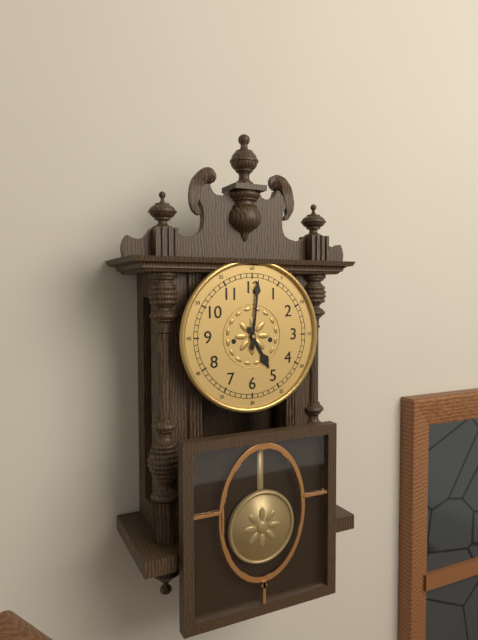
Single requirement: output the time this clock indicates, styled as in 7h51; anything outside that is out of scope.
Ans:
5h01
